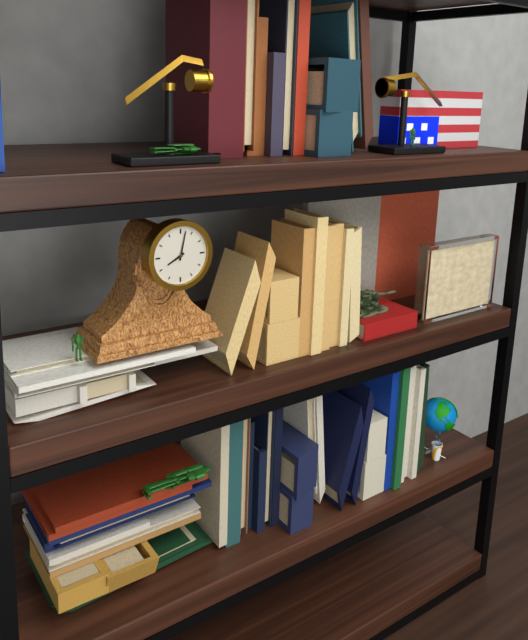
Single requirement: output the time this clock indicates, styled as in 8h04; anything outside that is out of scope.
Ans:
8h02
